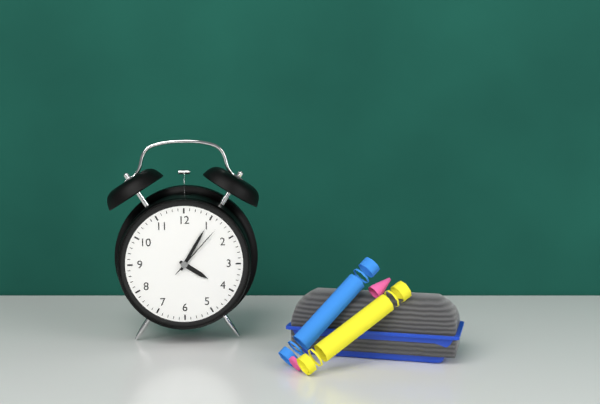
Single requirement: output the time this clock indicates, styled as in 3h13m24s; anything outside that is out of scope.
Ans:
4h05m07s
